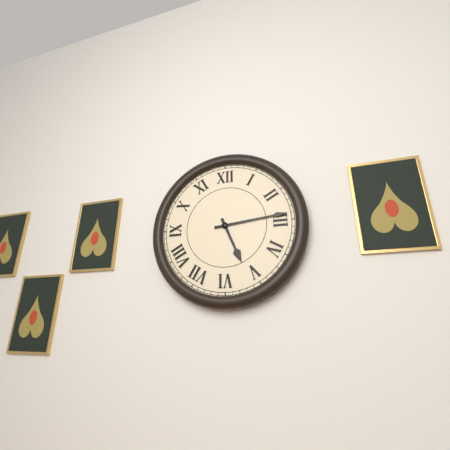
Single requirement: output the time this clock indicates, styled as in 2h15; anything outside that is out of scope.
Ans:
5h14
